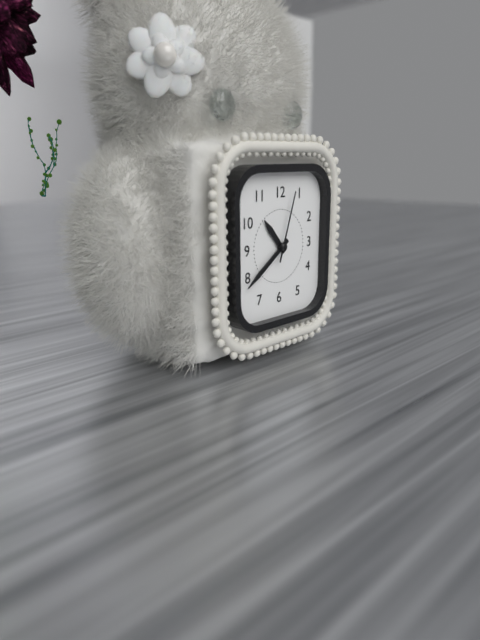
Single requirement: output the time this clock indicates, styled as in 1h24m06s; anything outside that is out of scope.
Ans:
10h39m03s
